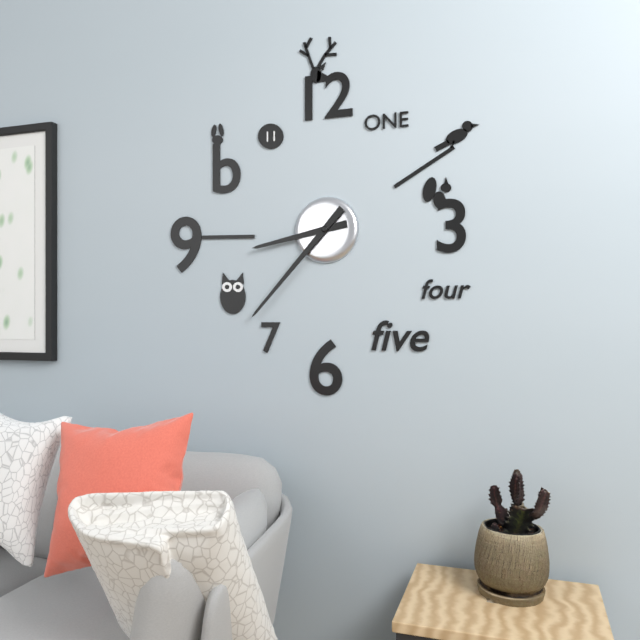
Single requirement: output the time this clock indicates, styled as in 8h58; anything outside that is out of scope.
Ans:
8h37
